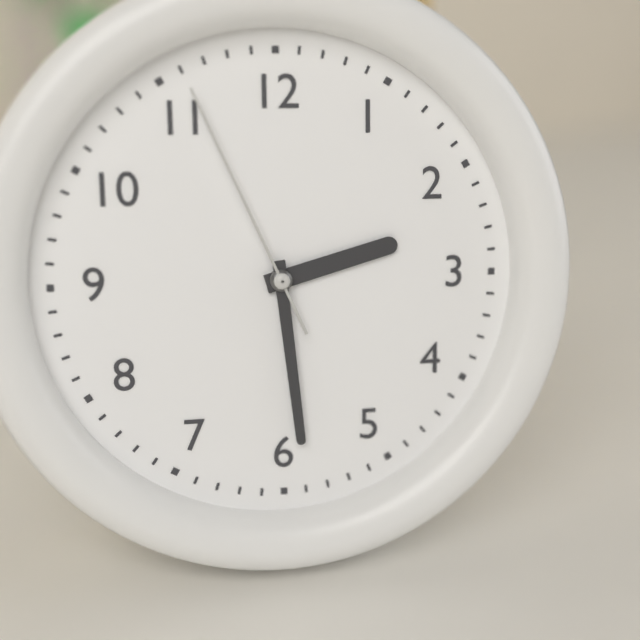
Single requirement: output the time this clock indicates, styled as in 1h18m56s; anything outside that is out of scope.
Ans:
2h29m56s
